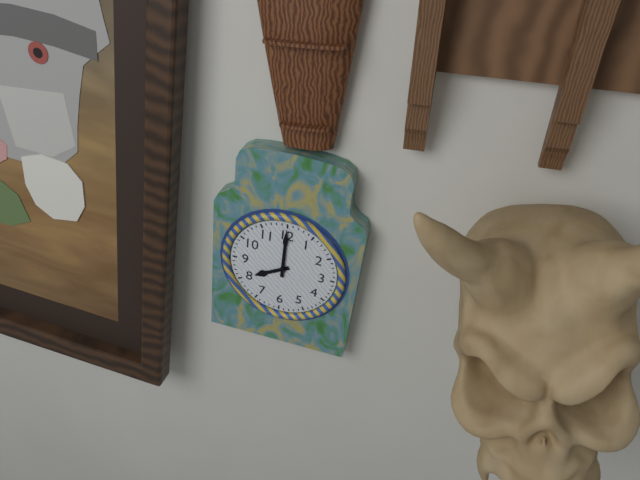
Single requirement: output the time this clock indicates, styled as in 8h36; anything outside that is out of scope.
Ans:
8h00
